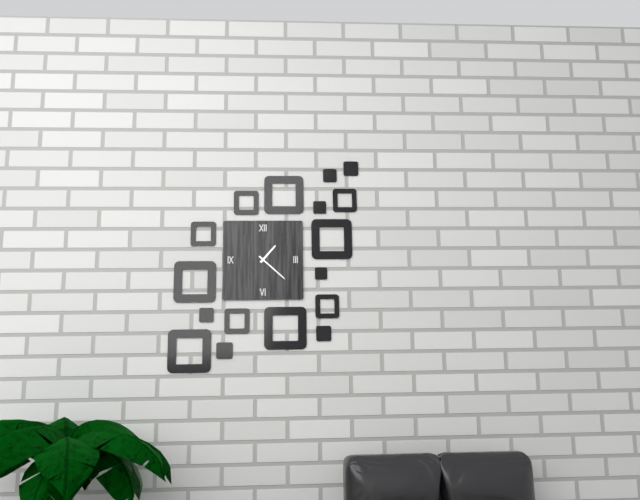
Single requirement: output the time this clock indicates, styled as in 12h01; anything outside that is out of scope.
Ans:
1h22
